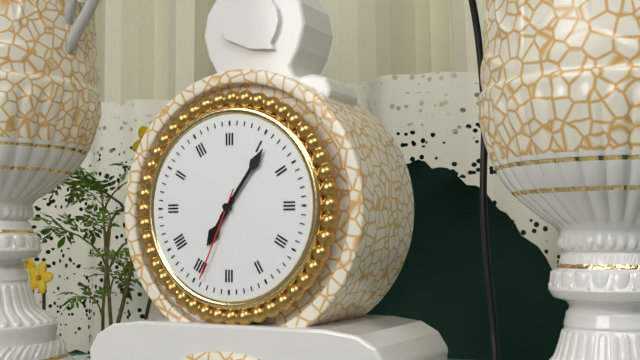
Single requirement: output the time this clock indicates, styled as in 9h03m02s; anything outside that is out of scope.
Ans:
7h06m34s
